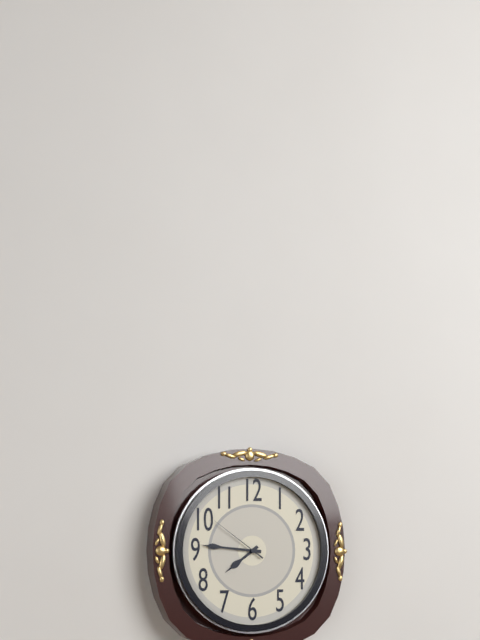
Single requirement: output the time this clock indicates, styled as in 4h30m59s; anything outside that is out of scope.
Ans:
7h46m51s
